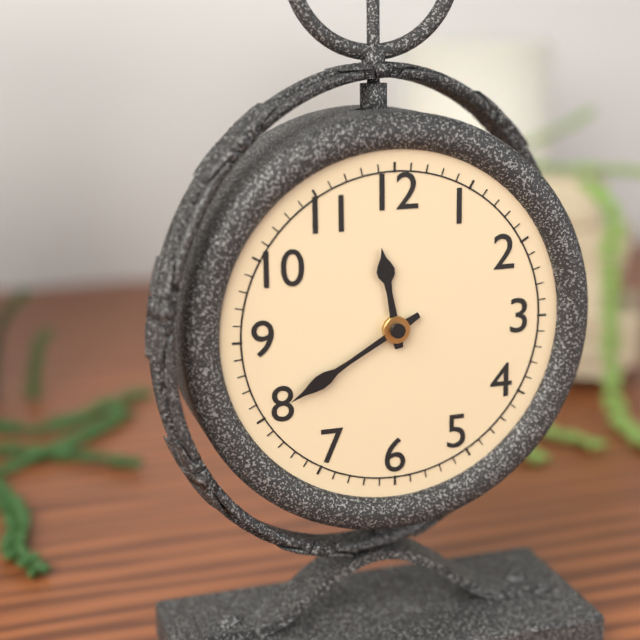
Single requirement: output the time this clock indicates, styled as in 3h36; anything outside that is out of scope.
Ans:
11h40
